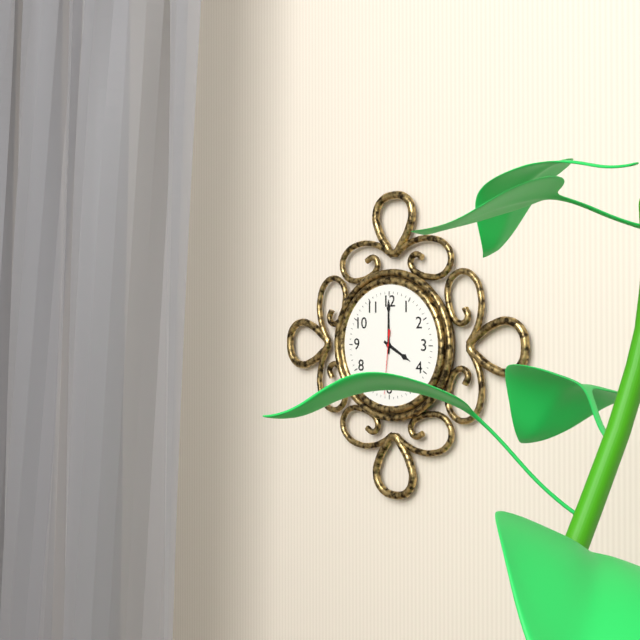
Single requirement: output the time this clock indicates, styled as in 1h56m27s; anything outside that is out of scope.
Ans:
4h00m31s
